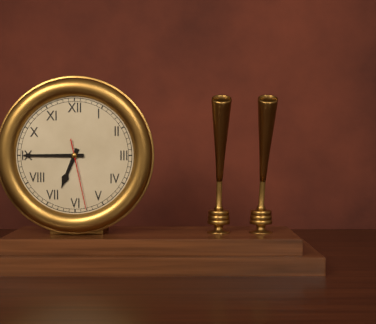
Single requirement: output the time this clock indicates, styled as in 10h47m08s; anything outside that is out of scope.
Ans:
6h45m28s
